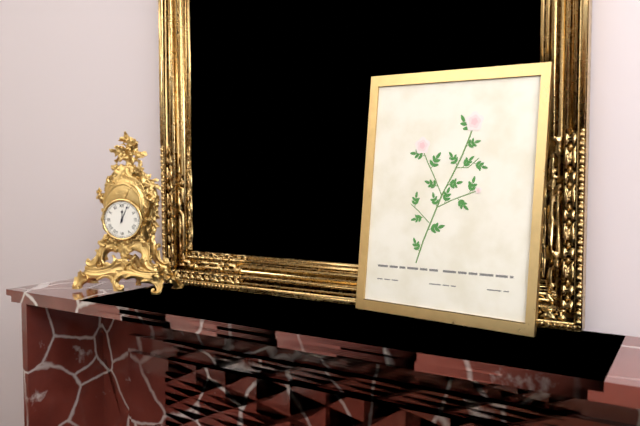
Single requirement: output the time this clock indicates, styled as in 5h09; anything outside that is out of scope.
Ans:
12h04
